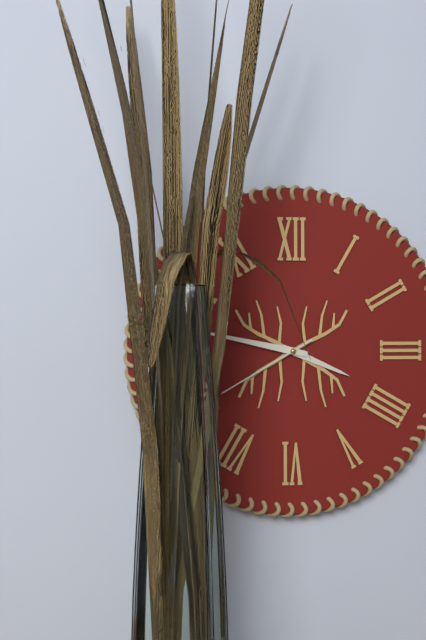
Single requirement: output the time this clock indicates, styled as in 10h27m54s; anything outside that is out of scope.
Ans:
3h47m40s
